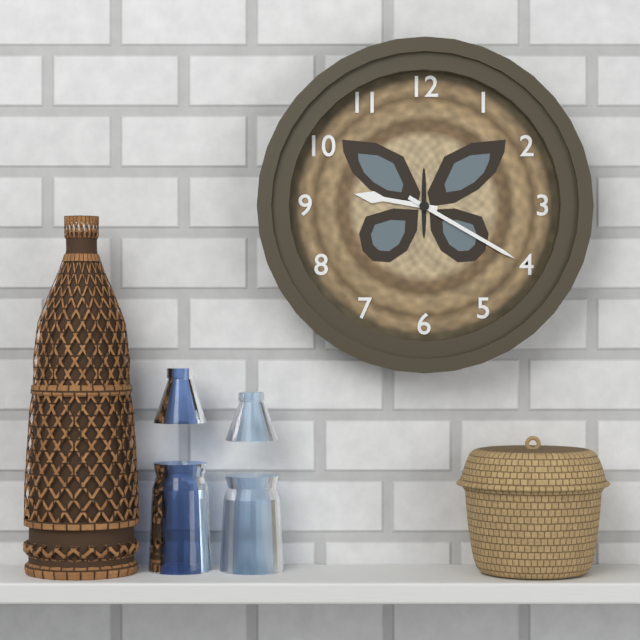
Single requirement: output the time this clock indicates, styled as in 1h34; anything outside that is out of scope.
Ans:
9h20
